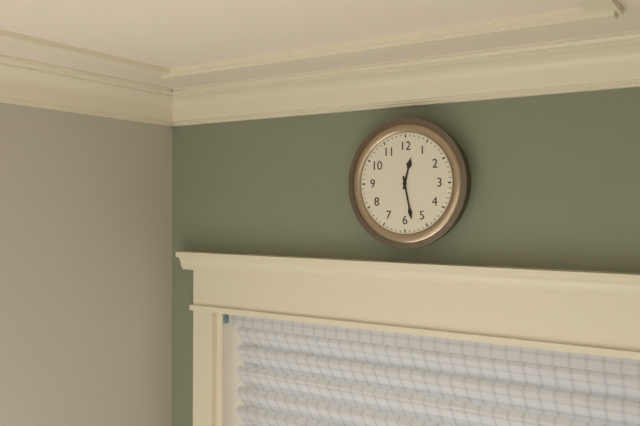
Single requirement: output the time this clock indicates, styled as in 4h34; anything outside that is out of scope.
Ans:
12h28
